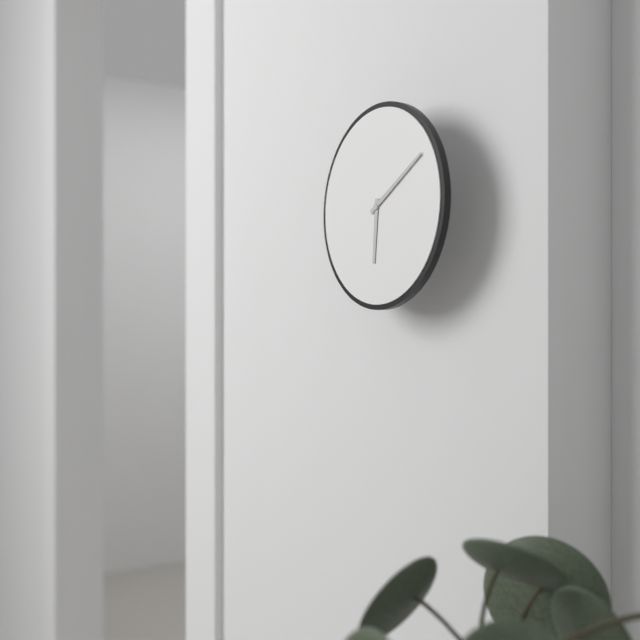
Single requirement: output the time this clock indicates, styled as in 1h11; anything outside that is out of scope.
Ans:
6h10
